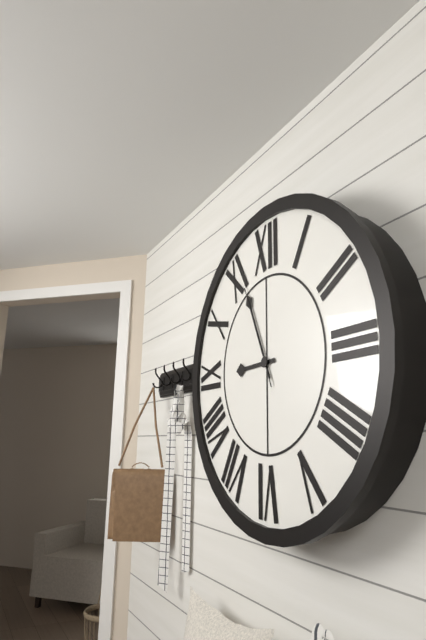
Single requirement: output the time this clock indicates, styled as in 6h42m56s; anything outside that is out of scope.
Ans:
8h56m56s
